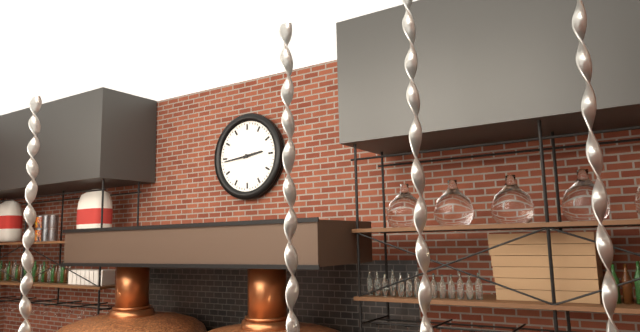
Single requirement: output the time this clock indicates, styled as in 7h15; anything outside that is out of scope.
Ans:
2h44
